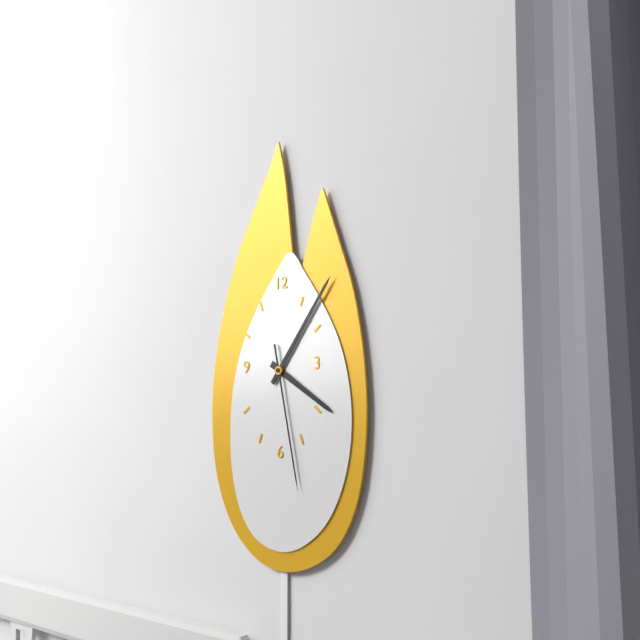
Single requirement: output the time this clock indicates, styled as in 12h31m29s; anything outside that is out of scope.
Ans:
4h06m28s
